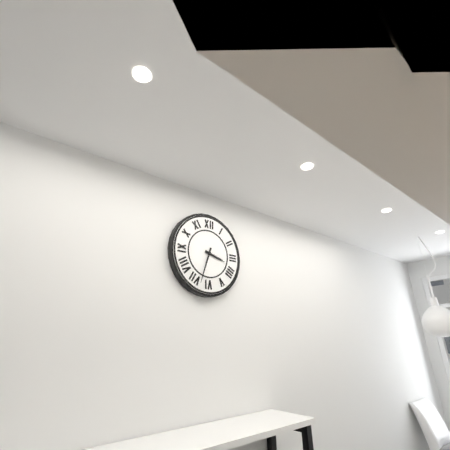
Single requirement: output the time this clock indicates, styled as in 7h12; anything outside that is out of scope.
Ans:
3h33
